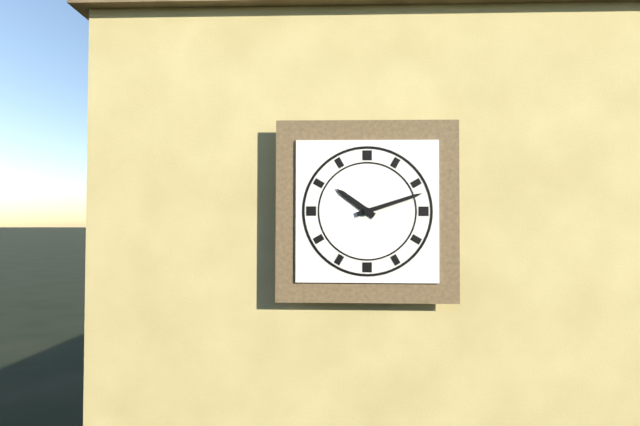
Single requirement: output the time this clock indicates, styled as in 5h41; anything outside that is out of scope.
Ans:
10h12
